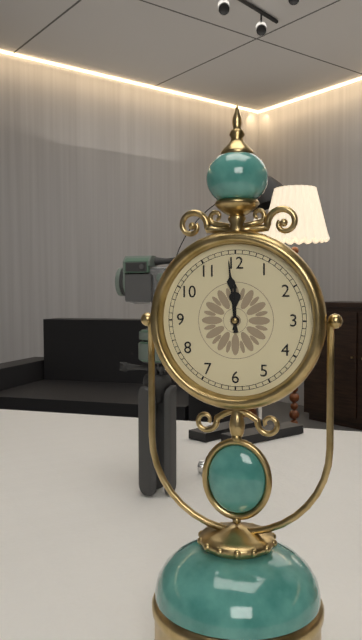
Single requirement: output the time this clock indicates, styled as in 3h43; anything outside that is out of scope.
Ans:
11h59
